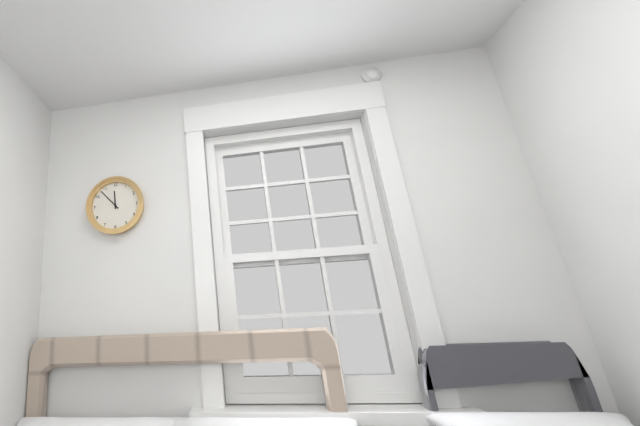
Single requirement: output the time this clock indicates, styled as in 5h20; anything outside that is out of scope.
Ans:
11h53
